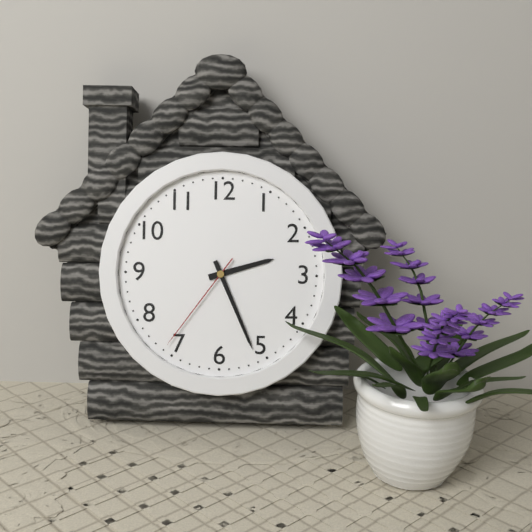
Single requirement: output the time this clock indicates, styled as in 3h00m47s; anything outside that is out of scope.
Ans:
2h26m36s
